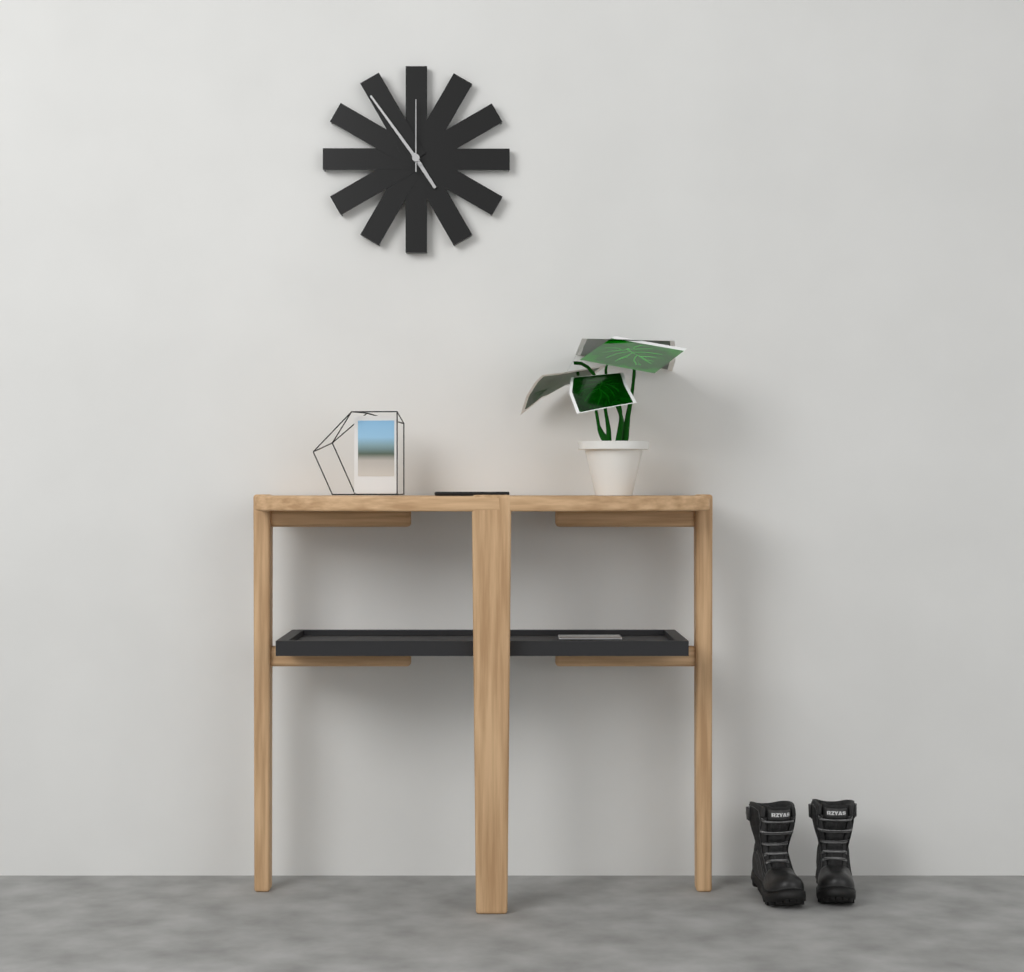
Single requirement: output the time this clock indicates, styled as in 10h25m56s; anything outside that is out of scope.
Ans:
4h54m00s
